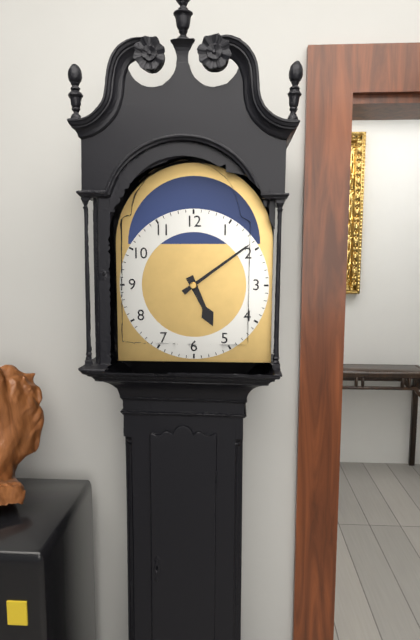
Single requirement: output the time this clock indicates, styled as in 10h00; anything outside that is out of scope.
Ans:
5h09
